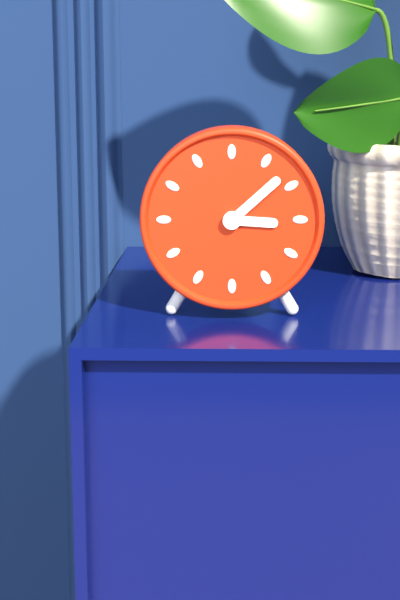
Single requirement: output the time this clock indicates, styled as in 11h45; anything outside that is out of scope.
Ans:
3h08
